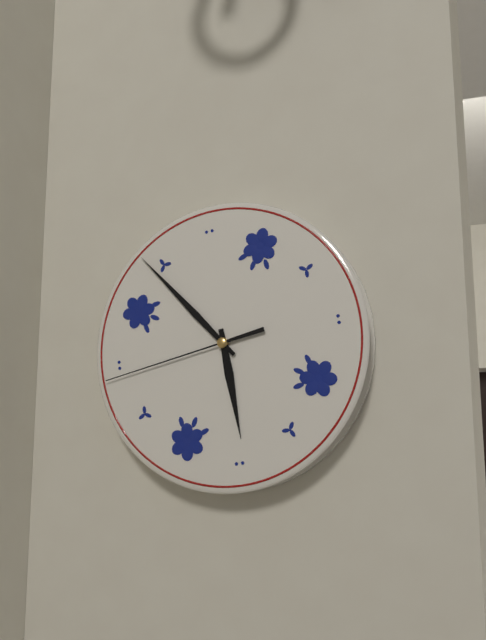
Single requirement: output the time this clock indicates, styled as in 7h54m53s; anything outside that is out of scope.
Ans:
5h54m44s
